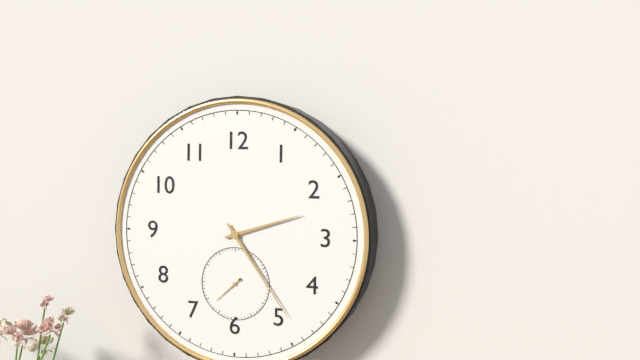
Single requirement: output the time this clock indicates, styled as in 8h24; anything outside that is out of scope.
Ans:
2h24
